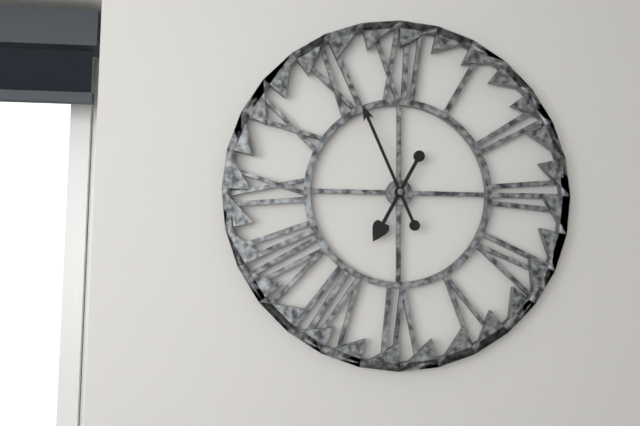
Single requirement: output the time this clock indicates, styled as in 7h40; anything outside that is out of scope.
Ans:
6h56
